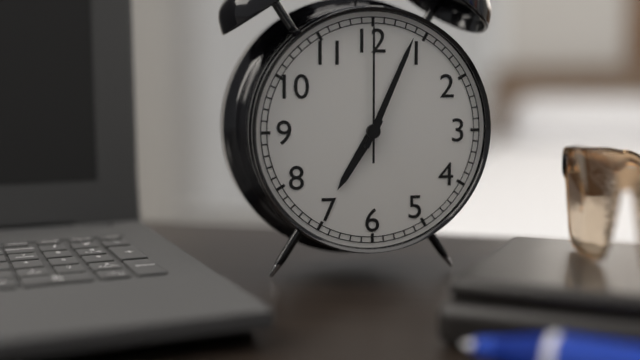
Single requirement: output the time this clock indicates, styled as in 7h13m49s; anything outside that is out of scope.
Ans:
7h04m00s
